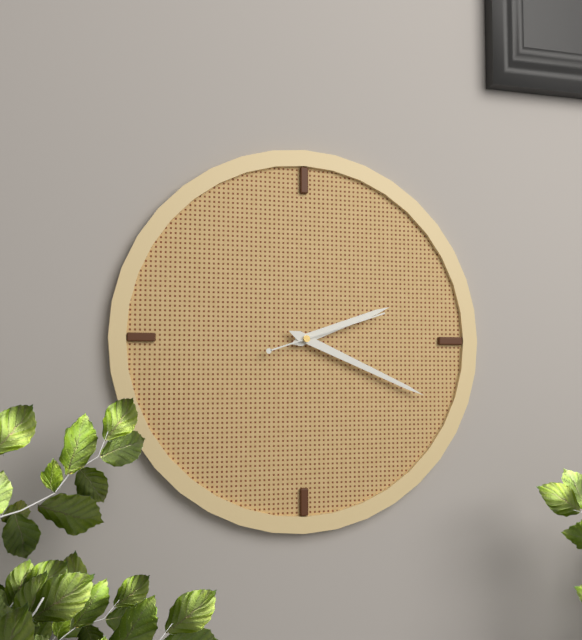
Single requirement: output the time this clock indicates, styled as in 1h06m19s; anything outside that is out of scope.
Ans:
2h19m12s
